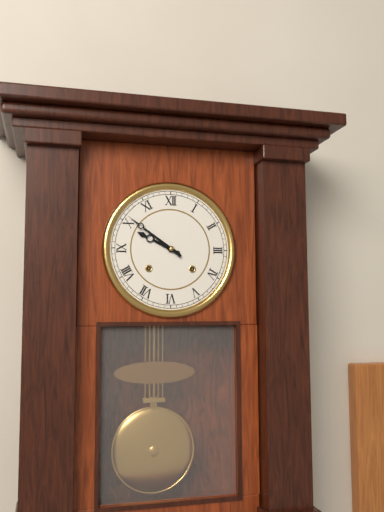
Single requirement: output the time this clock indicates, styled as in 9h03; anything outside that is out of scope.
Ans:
9h51
